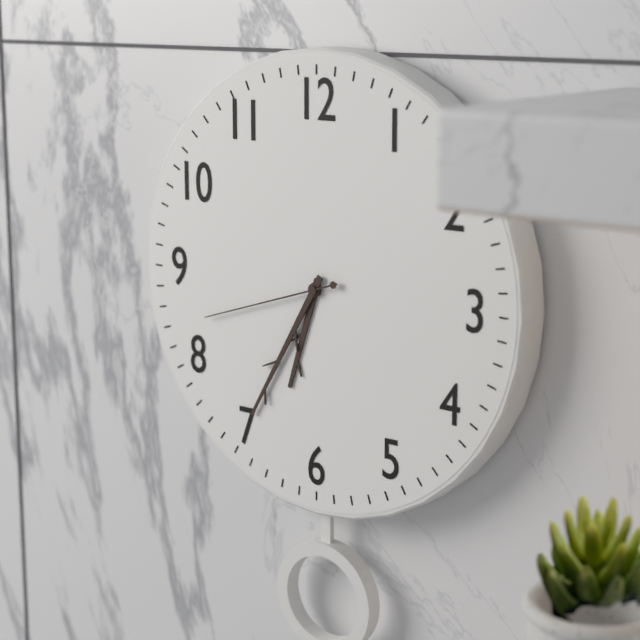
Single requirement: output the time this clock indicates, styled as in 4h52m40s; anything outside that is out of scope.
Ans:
6h35m42s
